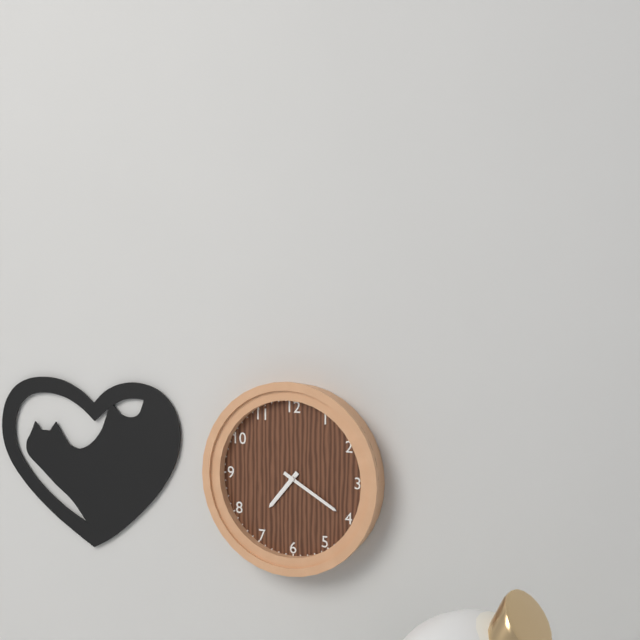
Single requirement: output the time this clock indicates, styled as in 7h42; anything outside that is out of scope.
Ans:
7h20
